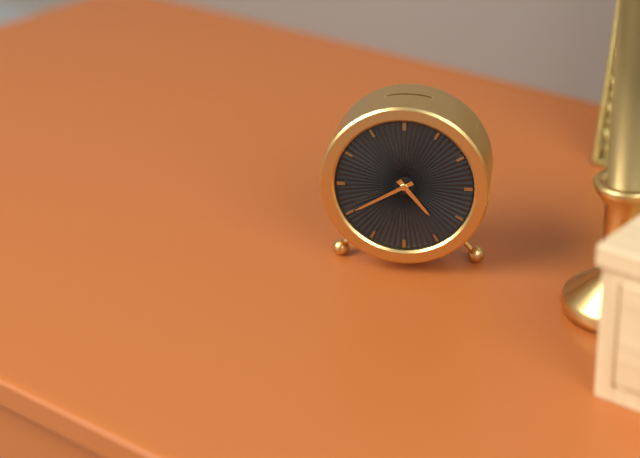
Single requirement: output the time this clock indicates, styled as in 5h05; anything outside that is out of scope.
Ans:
4h40
